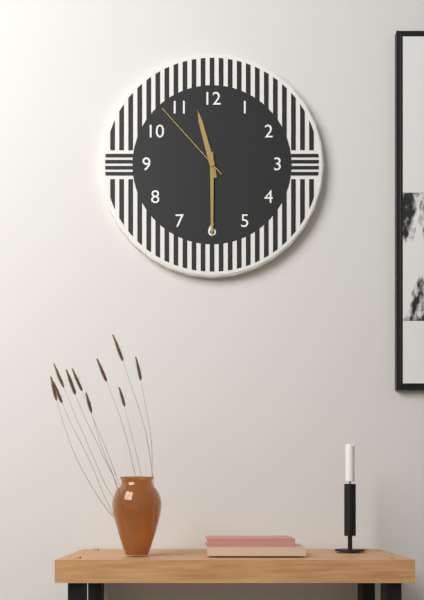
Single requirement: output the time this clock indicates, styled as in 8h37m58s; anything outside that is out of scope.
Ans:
11h30m53s
